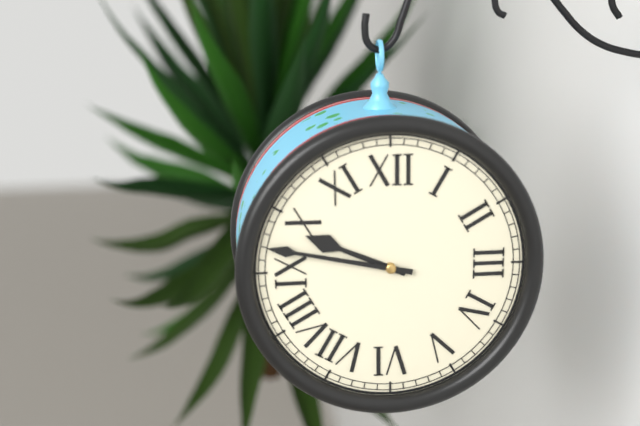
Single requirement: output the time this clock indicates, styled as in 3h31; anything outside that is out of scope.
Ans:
9h47
